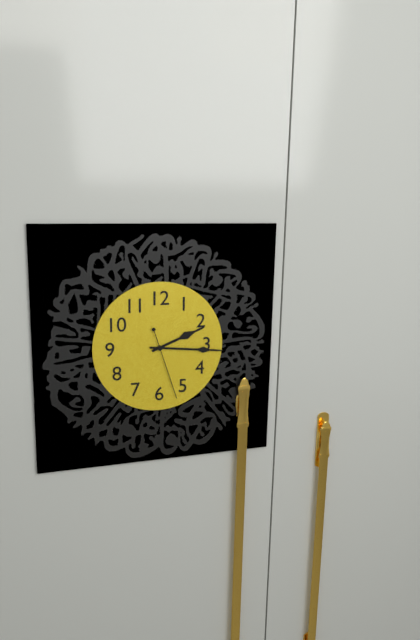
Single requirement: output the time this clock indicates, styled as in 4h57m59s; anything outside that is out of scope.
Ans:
2h16m27s
